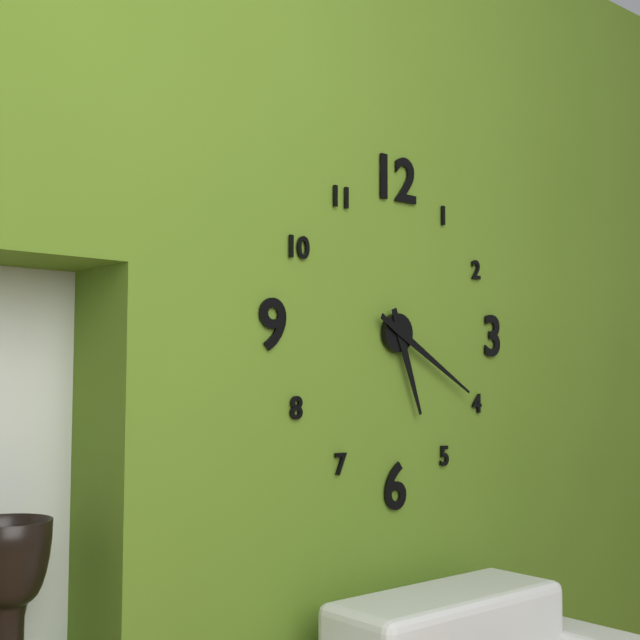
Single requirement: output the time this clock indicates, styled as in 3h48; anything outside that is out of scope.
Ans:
5h20
